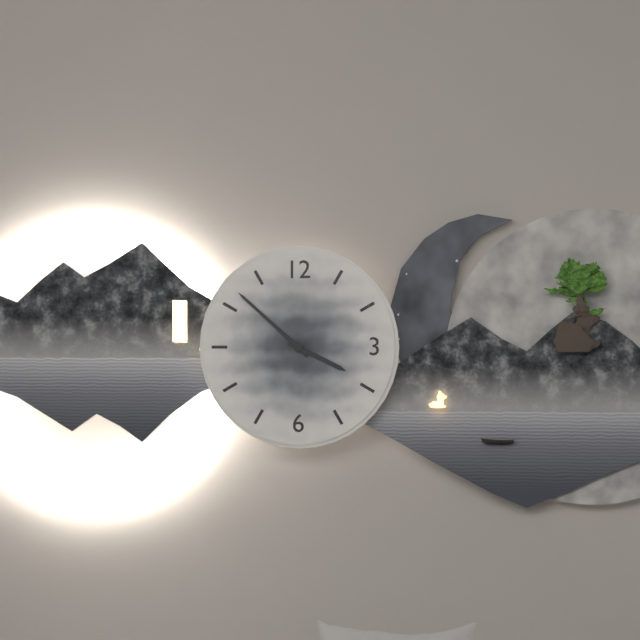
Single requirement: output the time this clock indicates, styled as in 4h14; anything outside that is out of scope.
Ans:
3h52
